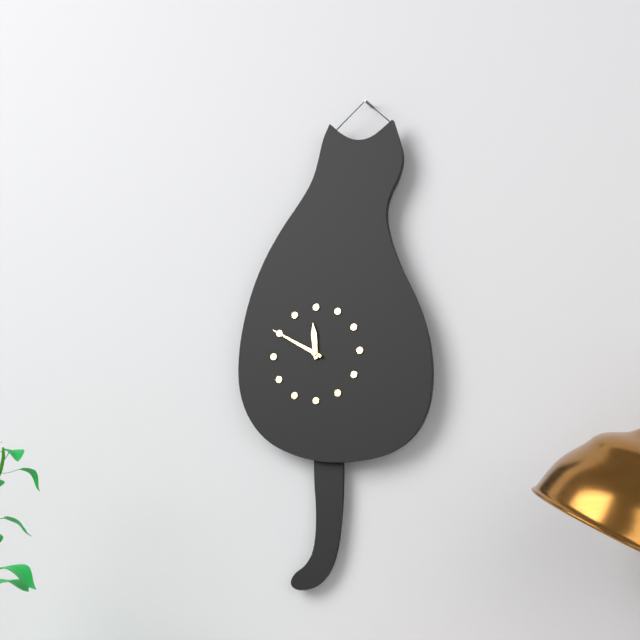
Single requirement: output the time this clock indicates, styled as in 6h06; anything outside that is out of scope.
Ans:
11h50
